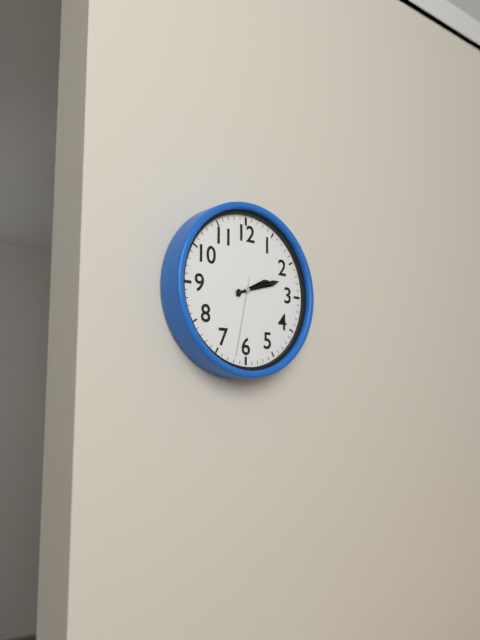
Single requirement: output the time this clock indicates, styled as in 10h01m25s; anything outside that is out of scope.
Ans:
2h12m32s
